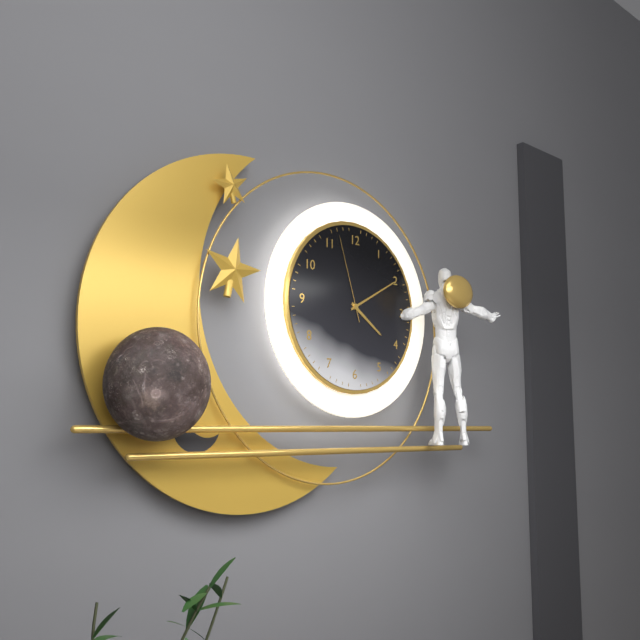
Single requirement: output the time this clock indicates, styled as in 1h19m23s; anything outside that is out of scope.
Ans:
4h10m57s
